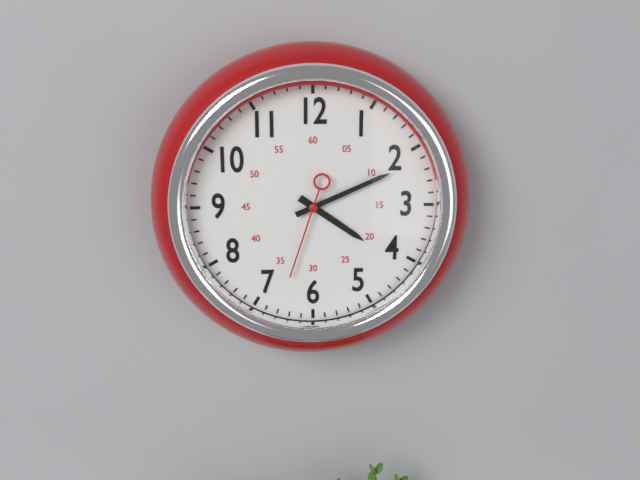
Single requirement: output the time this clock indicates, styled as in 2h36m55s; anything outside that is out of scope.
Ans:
4h11m33s
